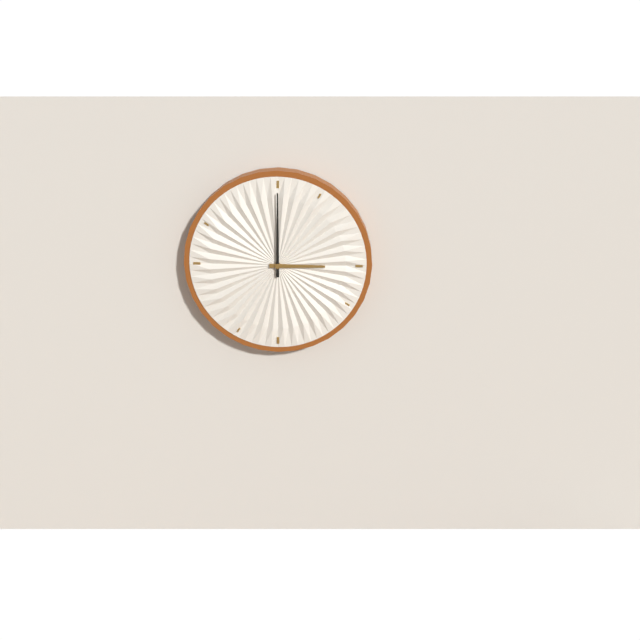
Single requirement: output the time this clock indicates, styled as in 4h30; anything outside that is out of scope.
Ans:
3h00
